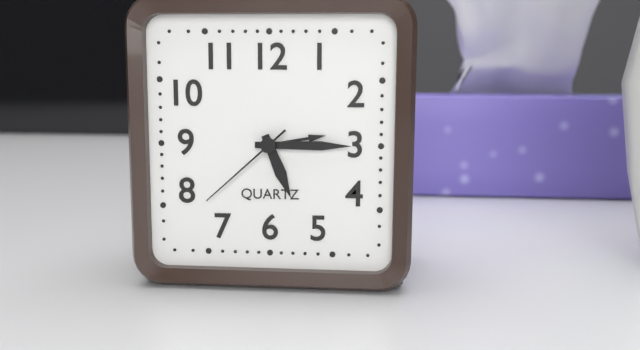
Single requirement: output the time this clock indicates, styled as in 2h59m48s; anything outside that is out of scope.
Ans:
5h15m38s
